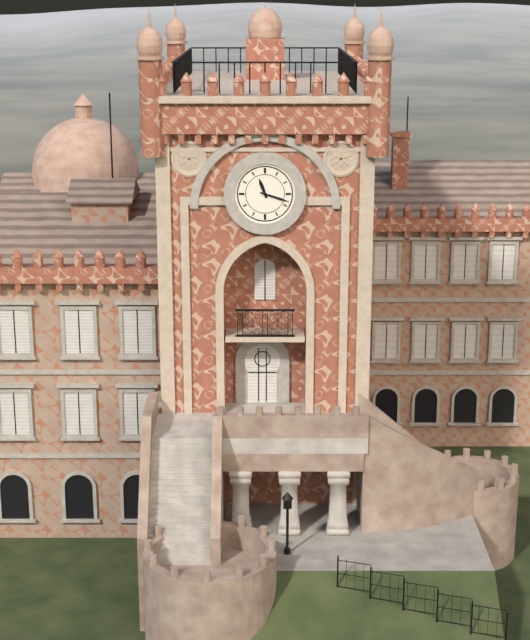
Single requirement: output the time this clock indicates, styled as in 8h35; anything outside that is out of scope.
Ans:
11h18
